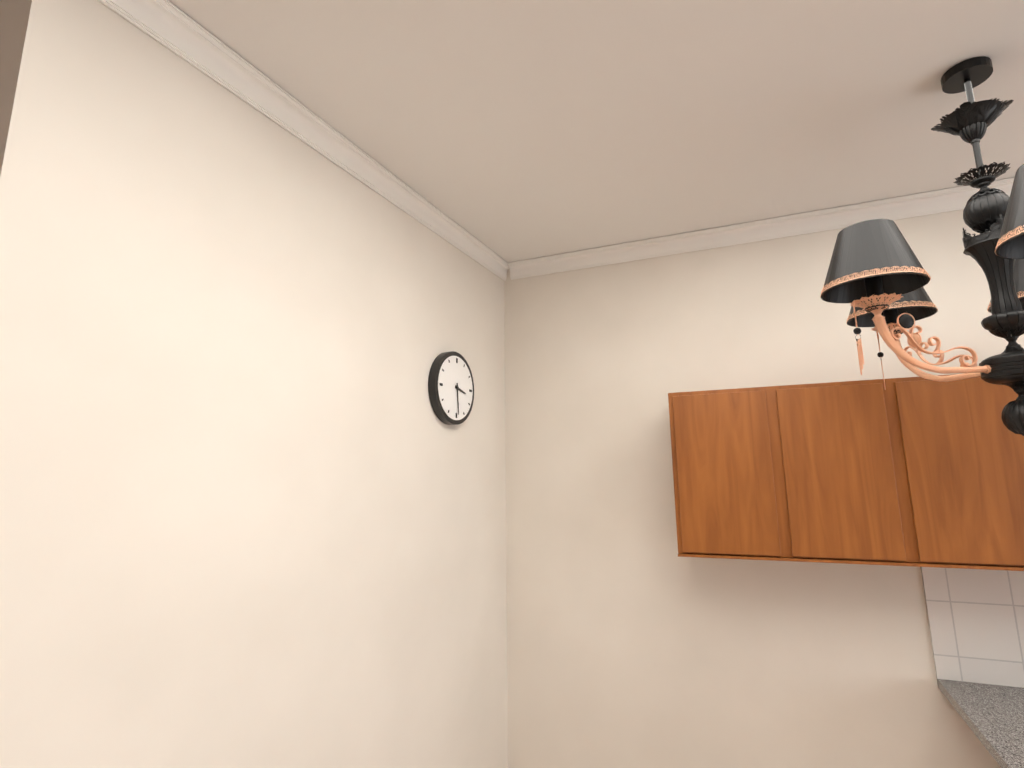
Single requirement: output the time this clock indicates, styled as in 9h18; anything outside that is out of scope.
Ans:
3h29
